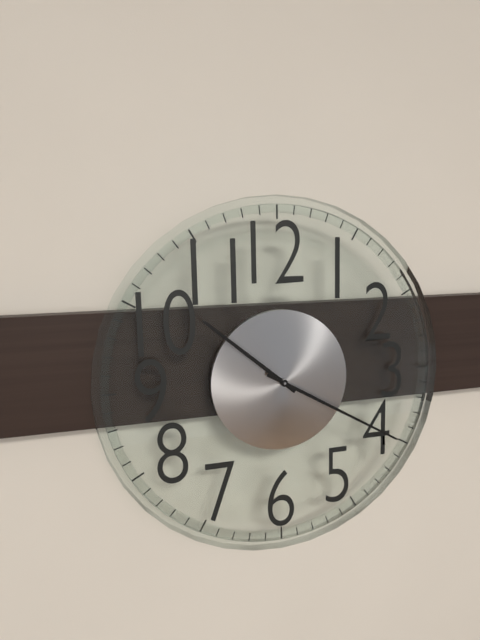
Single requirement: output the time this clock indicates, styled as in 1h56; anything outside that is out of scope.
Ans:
10h20
